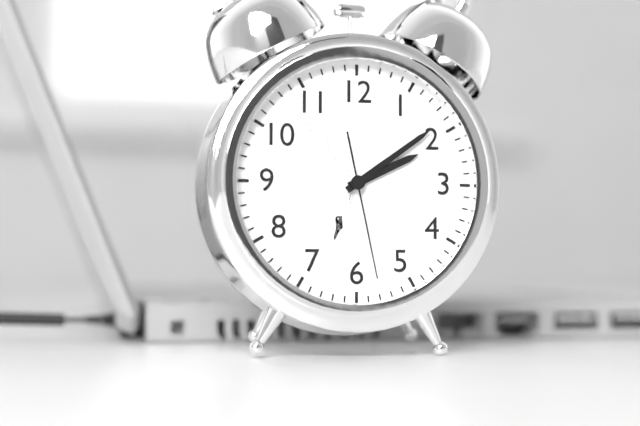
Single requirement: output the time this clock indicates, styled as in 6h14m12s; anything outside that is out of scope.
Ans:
2h09m28s
